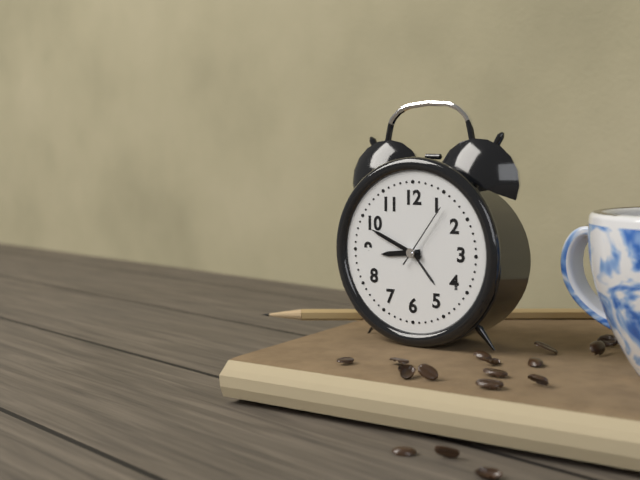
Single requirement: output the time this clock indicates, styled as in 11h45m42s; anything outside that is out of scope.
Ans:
8h49m06s
